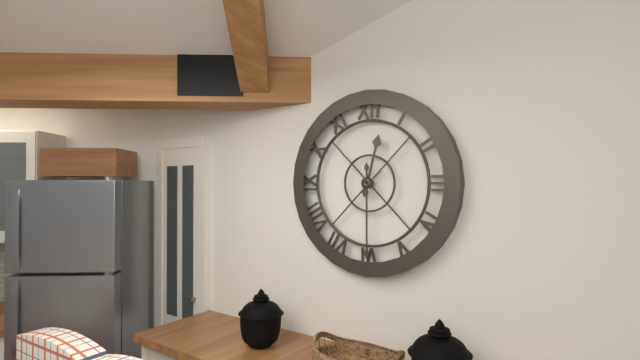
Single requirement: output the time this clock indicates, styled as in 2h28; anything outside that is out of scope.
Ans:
12h30
